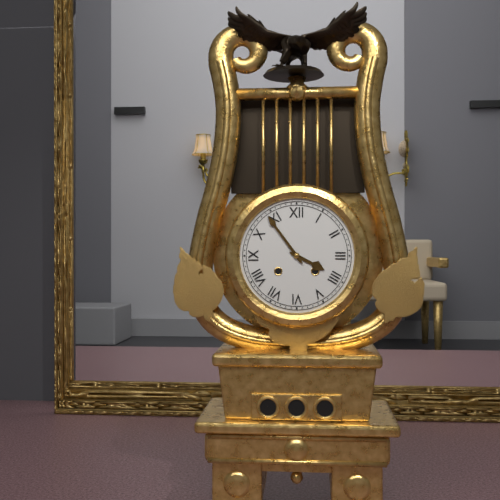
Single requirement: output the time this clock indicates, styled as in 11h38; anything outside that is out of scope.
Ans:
3h54
